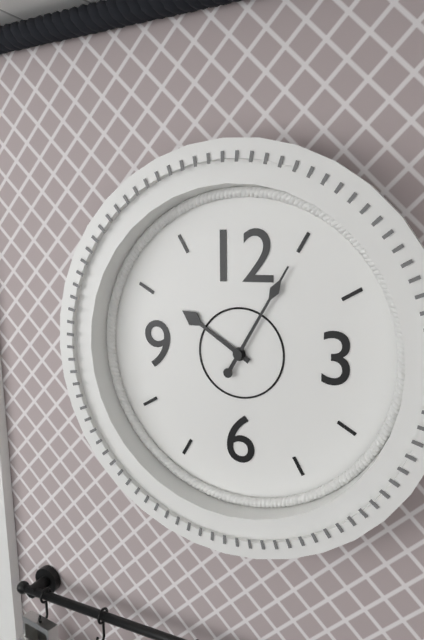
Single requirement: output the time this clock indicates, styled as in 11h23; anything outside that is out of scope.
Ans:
10h05
